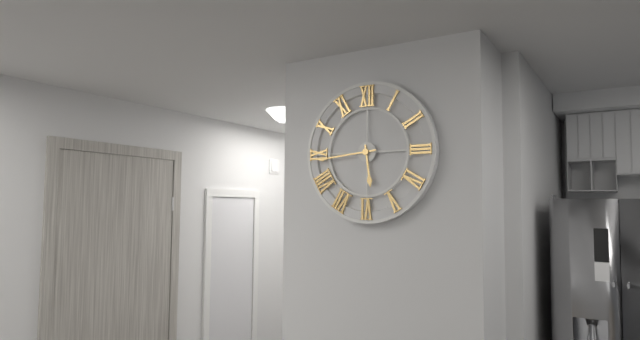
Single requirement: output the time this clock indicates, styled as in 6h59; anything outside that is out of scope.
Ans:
5h44
